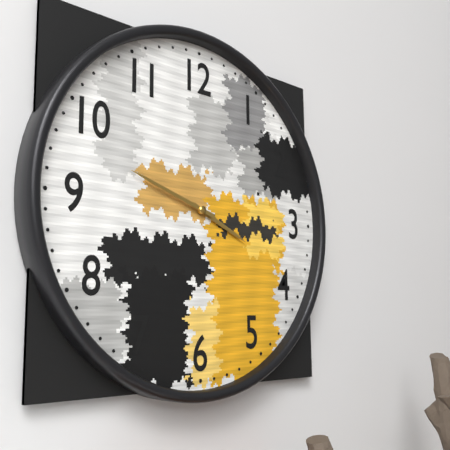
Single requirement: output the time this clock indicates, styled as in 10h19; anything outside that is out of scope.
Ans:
3h48
